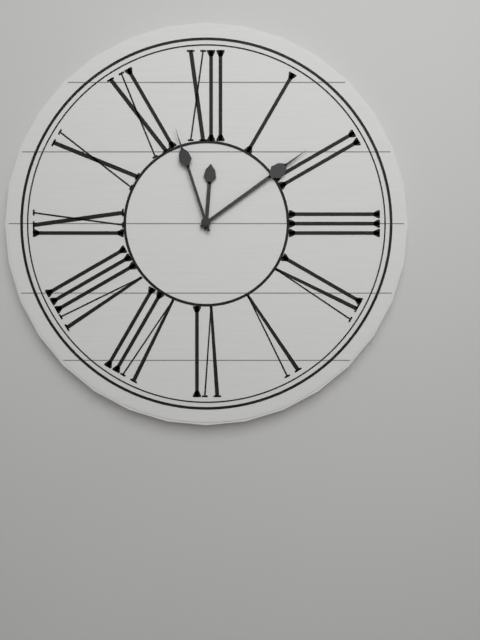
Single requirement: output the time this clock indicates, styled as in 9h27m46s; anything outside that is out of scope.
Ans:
12h09m57s
